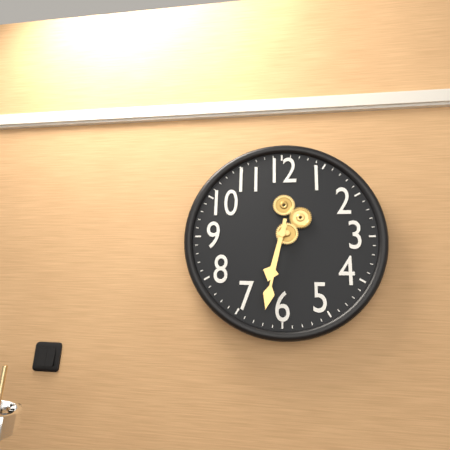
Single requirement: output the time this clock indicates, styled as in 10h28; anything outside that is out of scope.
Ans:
6h32
